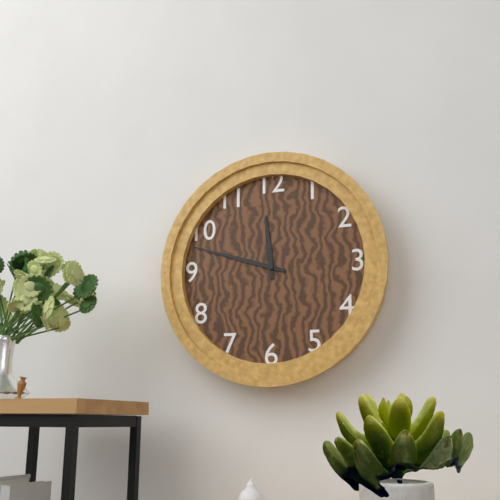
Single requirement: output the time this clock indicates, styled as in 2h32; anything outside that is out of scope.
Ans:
11h48
